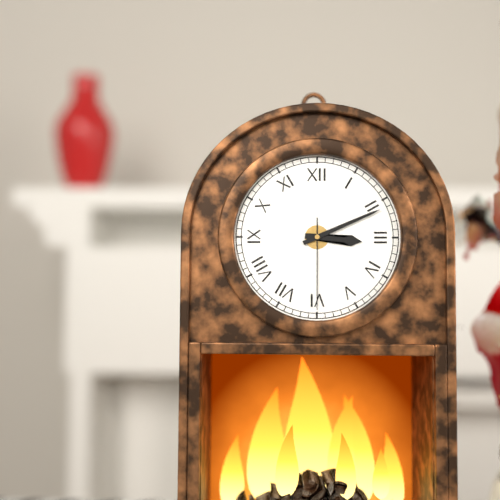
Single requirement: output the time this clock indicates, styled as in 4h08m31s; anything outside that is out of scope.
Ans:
3h11m30s
